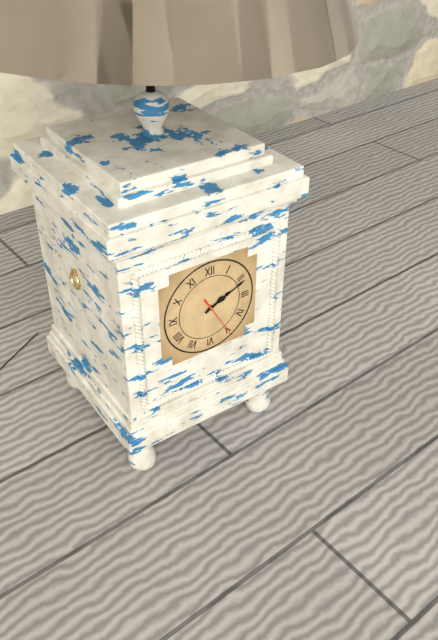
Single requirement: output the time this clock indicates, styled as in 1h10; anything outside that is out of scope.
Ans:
2h11
